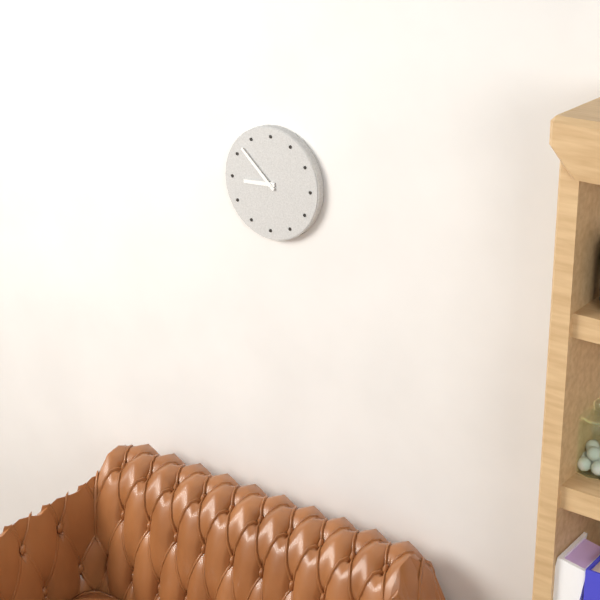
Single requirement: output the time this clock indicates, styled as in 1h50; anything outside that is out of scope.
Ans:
8h52
